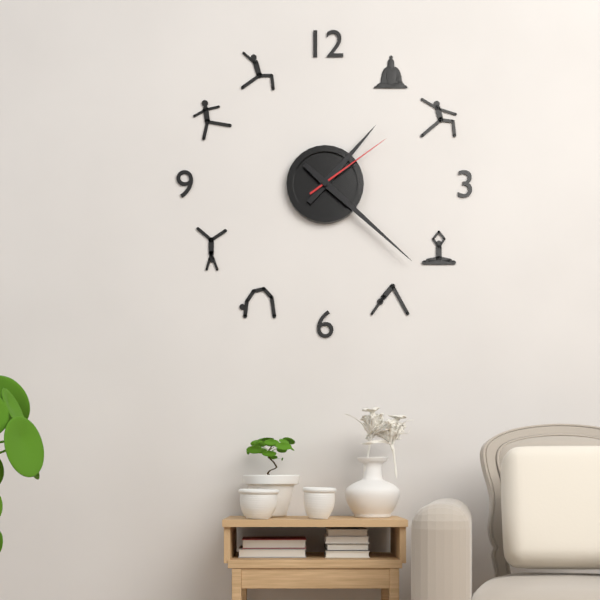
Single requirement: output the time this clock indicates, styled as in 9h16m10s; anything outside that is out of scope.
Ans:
1h22m09s
